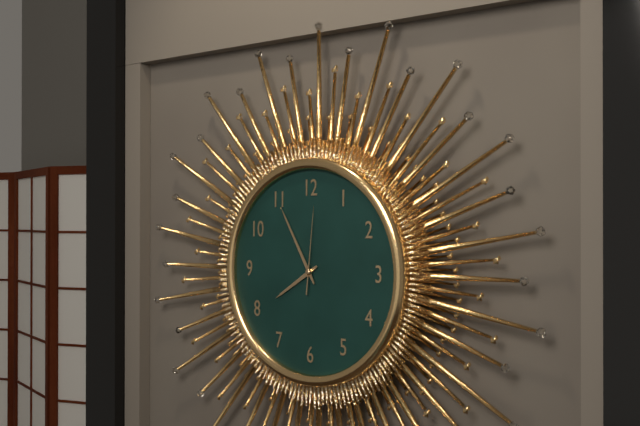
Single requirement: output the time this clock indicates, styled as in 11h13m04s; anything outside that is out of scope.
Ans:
7h55m01s
